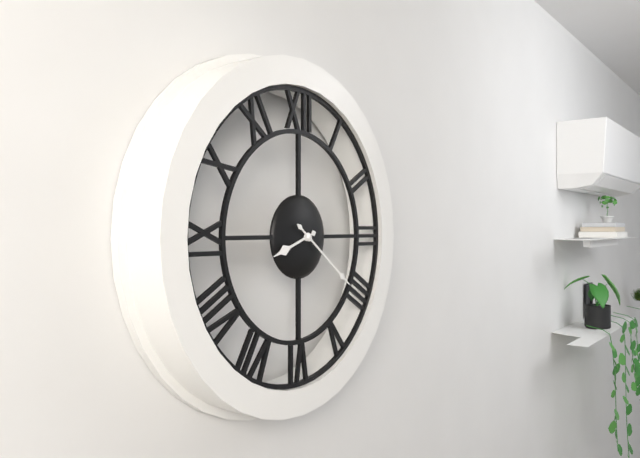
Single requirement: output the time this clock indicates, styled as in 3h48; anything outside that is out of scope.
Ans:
8h21
